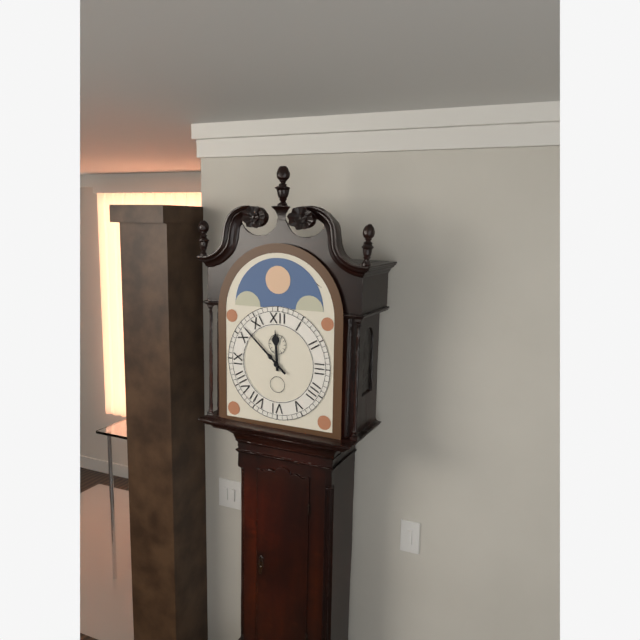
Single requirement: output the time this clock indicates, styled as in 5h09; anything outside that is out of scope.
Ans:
11h52
